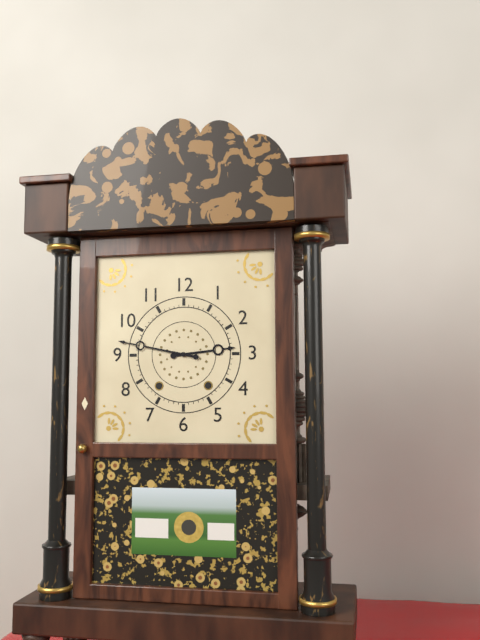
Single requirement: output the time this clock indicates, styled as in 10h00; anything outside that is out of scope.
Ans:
2h47
